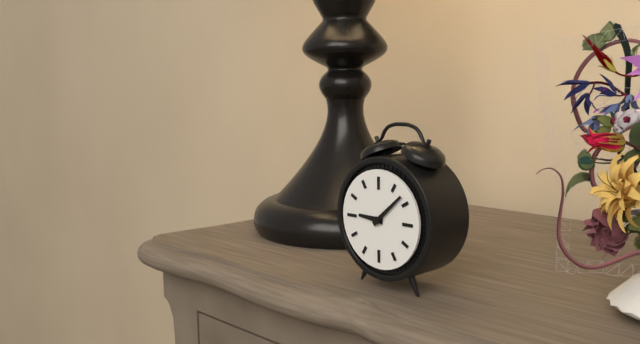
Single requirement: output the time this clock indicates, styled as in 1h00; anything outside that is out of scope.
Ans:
9h08
